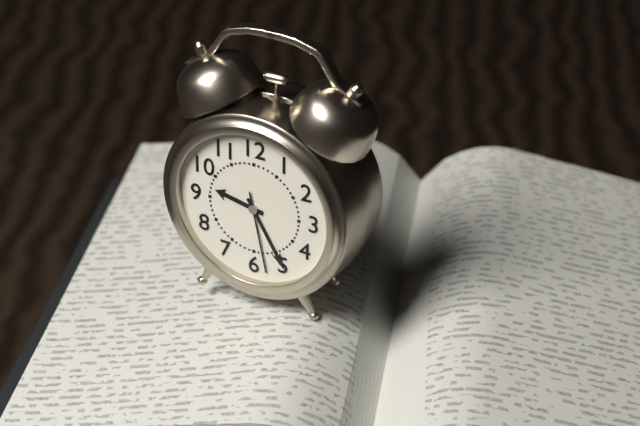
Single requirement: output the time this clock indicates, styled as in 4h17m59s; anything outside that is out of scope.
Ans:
9h25m28s
